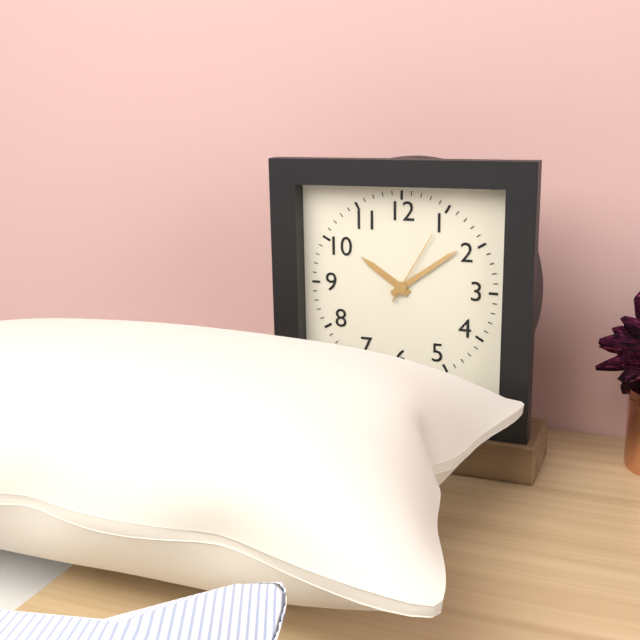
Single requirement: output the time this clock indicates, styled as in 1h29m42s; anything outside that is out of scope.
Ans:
10h09m05s
